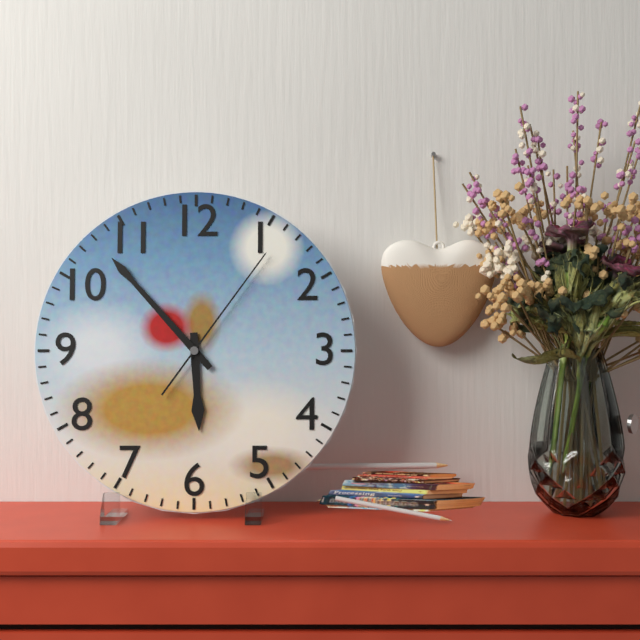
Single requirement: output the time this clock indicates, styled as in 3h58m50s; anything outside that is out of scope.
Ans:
5h53m06s
